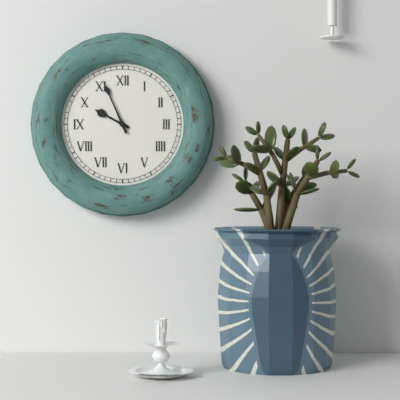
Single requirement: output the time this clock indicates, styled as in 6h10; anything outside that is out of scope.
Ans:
9h56
